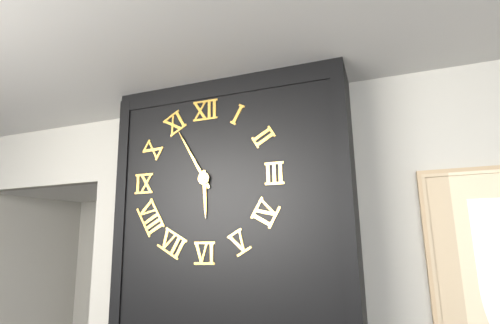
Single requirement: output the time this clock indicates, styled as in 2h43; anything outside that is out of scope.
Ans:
5h55
